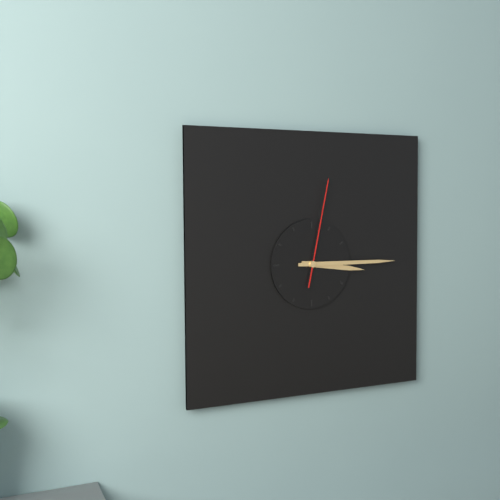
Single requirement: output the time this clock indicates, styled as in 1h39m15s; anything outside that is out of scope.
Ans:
3h15m02s
